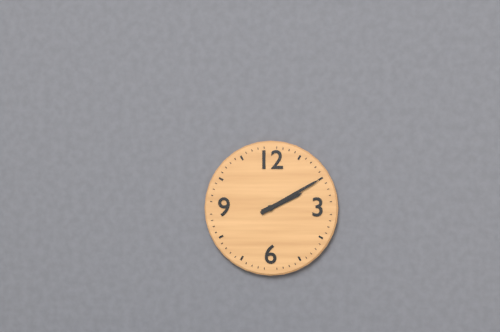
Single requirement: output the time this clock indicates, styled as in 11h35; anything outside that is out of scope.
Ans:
2h10
